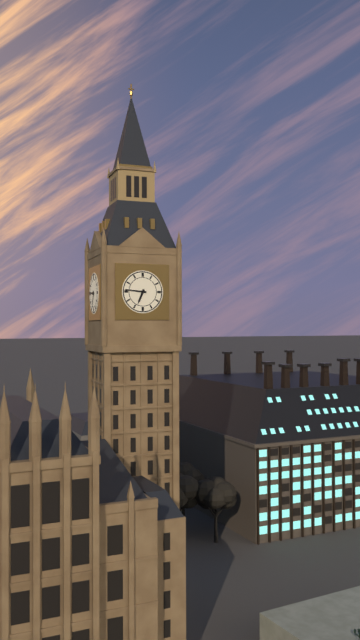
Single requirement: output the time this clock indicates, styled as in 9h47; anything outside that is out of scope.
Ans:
6h46
